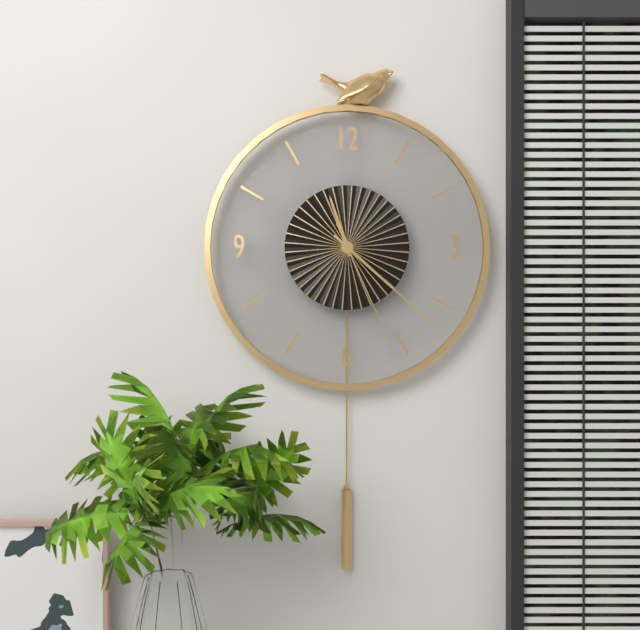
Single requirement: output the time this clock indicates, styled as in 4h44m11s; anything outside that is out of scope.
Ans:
11h22m26s
